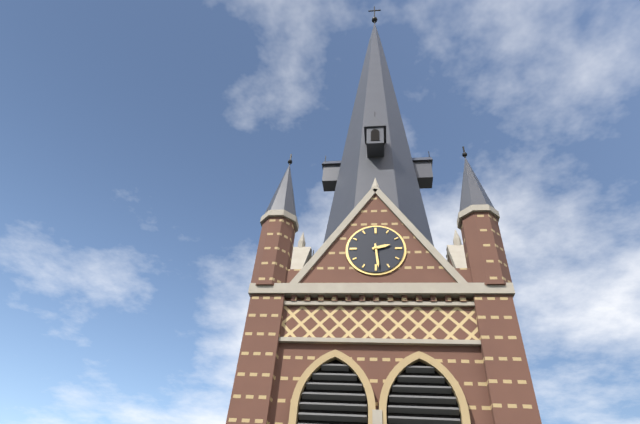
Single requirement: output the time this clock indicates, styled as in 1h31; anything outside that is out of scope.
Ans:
2h29
